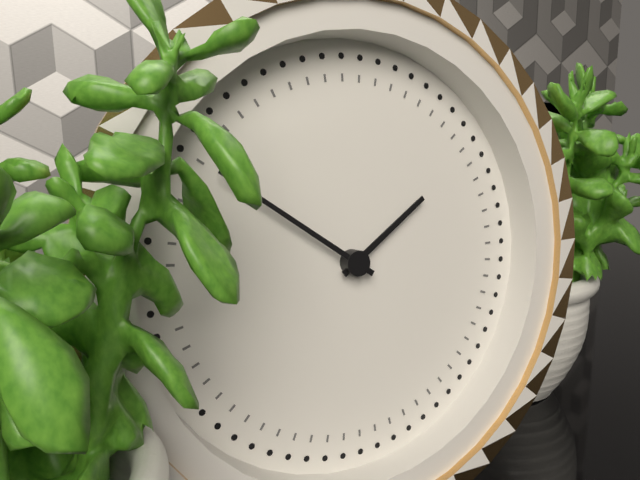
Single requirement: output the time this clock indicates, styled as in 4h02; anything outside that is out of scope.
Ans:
1h51
